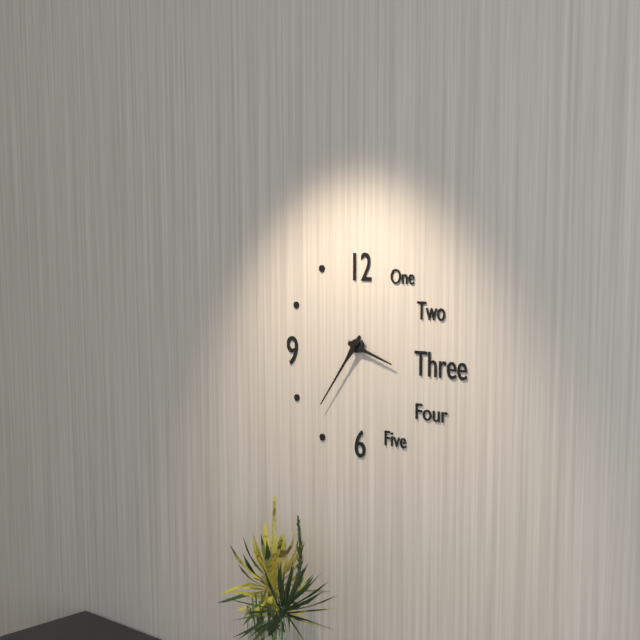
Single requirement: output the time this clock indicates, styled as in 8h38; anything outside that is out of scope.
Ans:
3h36
